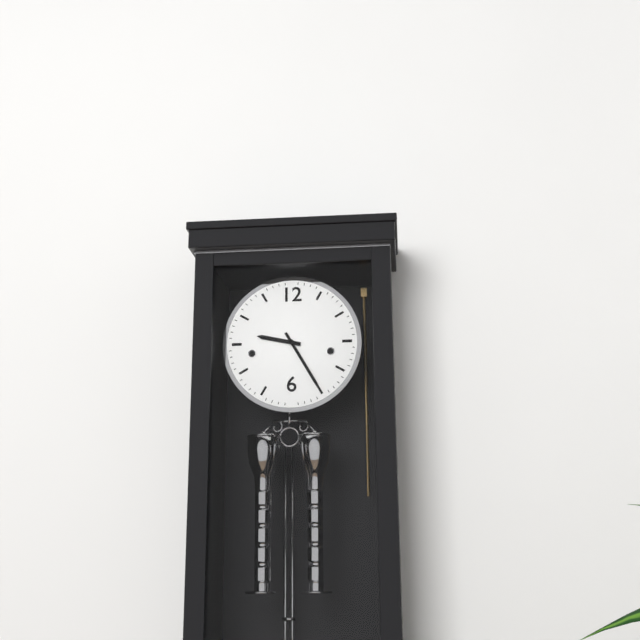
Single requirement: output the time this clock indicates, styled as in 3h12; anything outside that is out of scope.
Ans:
9h25
